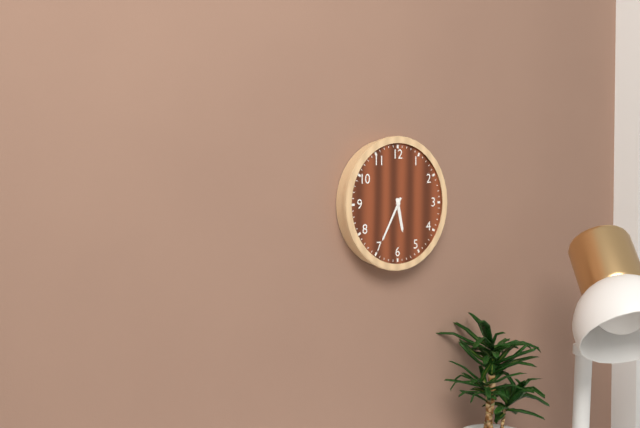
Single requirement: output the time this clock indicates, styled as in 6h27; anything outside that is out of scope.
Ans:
5h35
